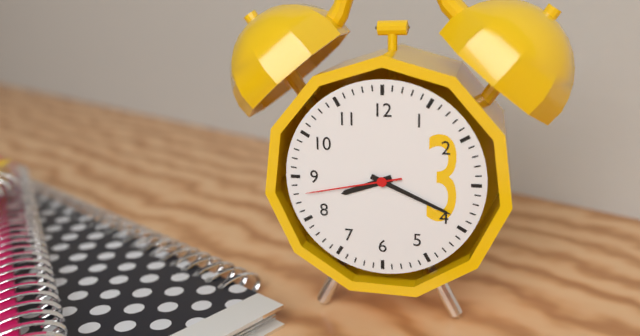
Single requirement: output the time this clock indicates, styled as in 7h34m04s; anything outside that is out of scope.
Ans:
8h19m43s
